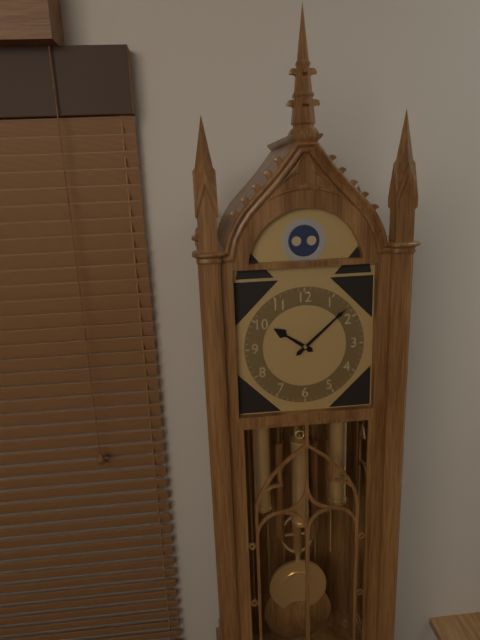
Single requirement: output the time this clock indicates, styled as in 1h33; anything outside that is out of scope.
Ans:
10h08
